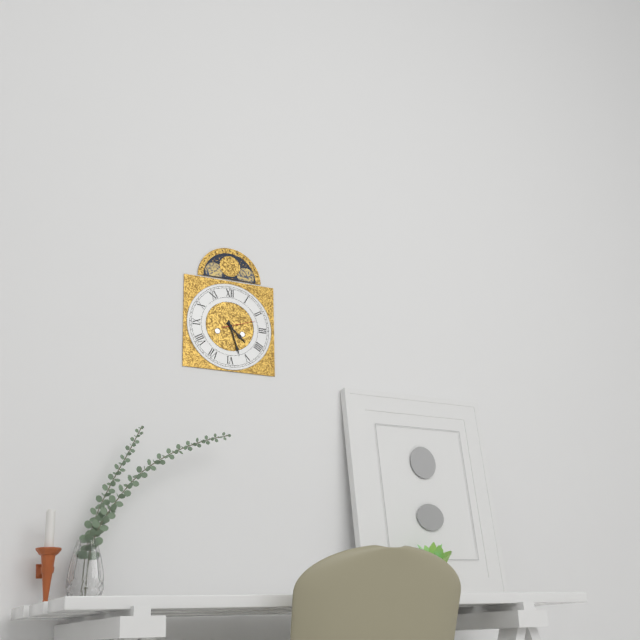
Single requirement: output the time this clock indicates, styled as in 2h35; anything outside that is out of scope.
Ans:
4h27
